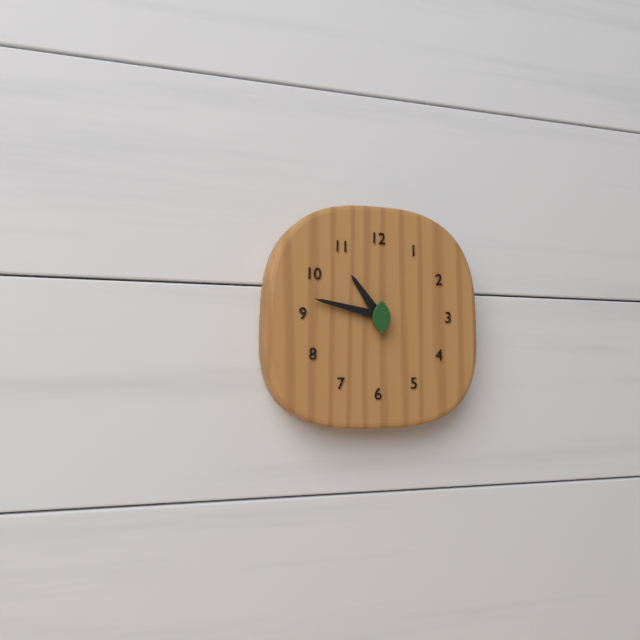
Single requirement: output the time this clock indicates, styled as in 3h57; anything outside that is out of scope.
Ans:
10h47
